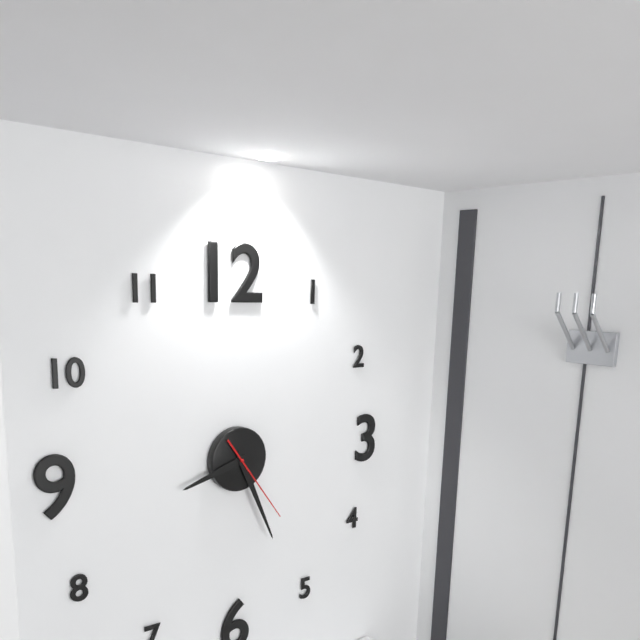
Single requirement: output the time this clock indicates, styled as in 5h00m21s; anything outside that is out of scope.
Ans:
8h26m24s
